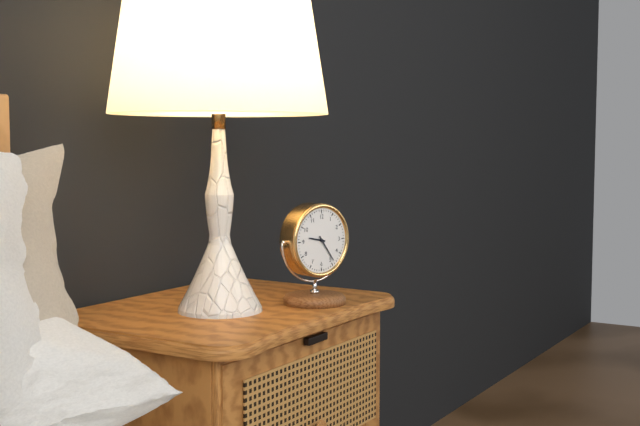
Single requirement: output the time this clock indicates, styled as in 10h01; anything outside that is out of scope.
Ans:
9h24
